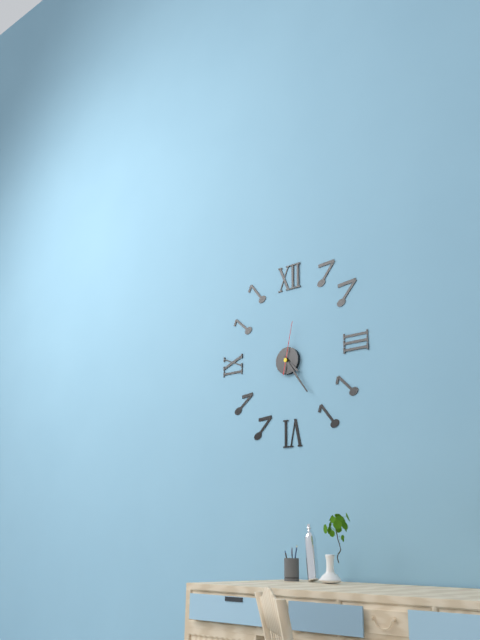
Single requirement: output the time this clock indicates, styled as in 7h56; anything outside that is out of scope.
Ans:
4h24
